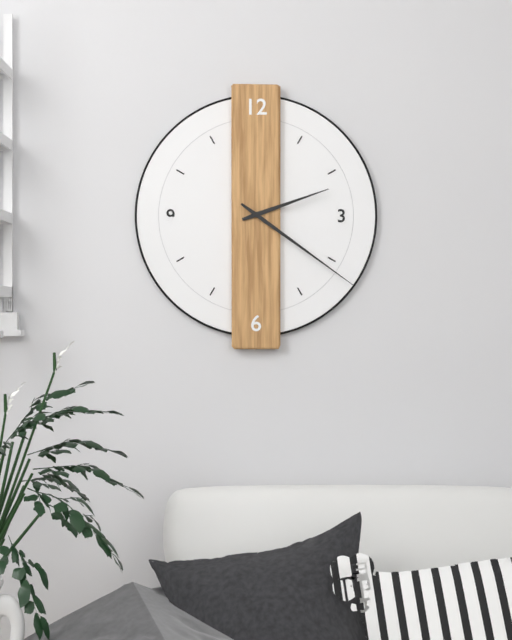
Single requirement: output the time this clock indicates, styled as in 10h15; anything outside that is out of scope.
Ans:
2h21
